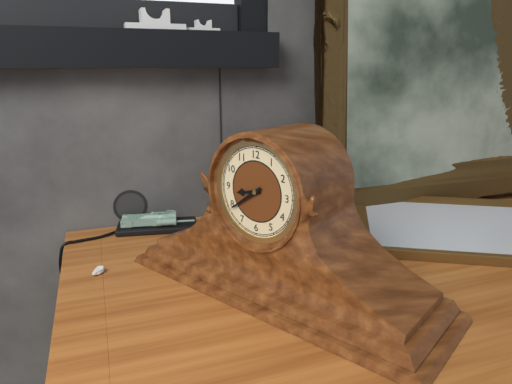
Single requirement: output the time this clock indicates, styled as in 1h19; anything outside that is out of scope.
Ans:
8h39
